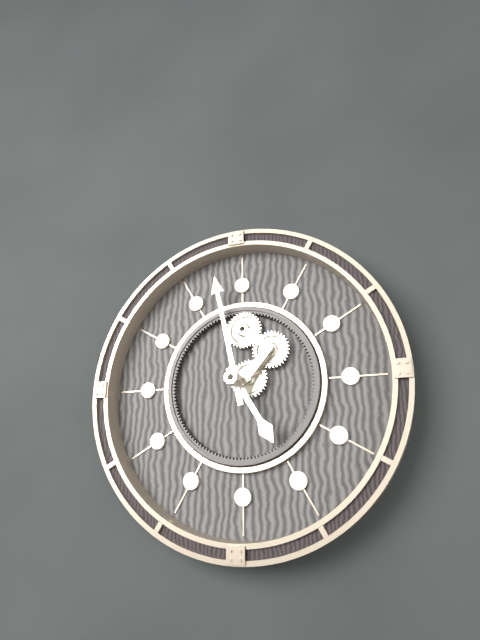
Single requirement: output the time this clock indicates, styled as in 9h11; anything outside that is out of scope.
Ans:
4h58
